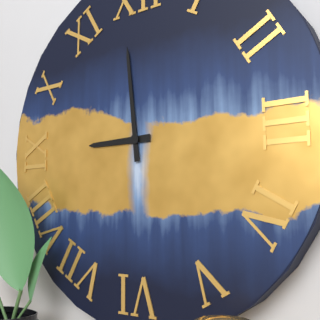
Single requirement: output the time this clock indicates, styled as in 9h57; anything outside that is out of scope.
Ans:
8h59
